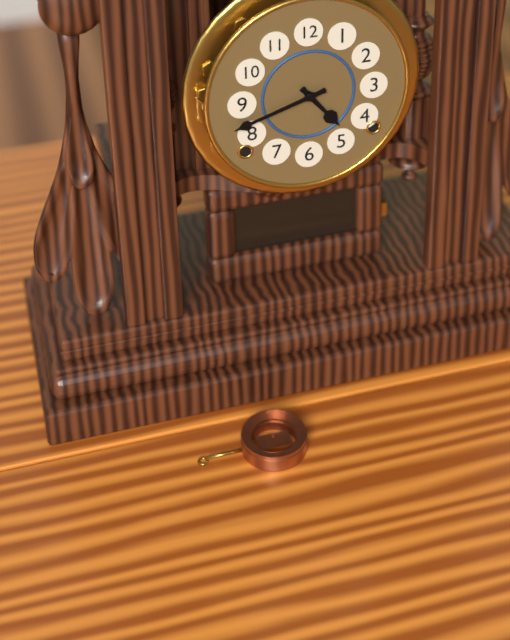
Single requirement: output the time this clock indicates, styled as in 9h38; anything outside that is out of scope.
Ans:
4h42
